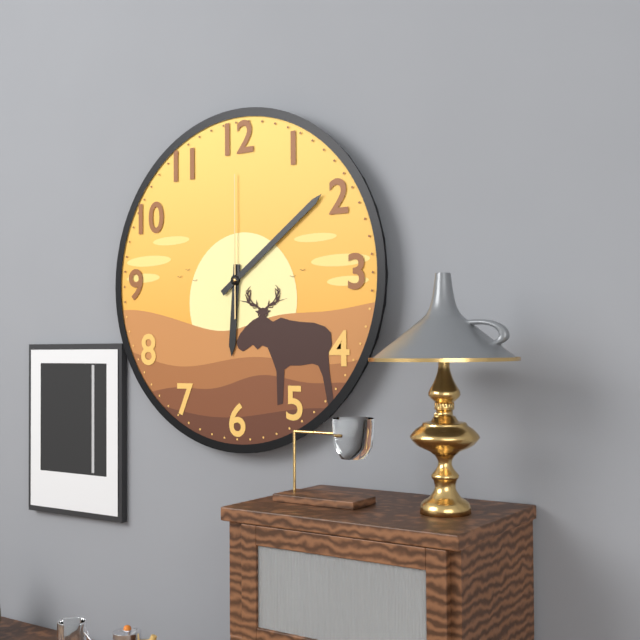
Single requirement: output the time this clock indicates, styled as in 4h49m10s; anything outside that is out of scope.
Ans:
6h09m00s
